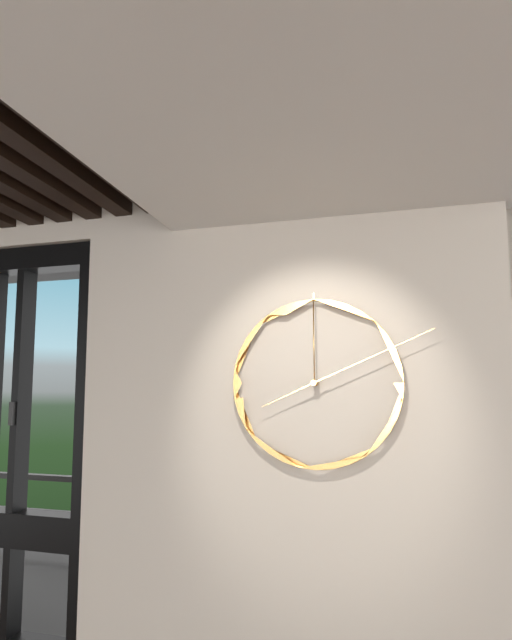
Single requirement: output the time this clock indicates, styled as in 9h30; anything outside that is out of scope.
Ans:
8h11
